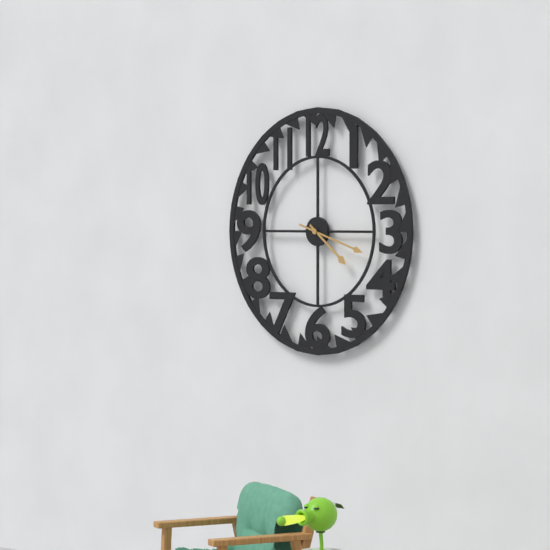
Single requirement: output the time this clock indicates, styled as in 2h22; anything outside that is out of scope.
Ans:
4h18
